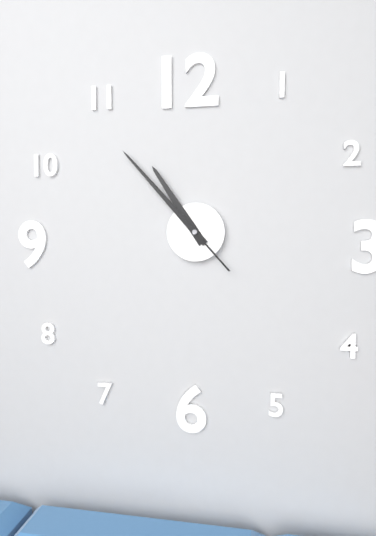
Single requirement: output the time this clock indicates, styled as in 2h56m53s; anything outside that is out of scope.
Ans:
10h53m53s
